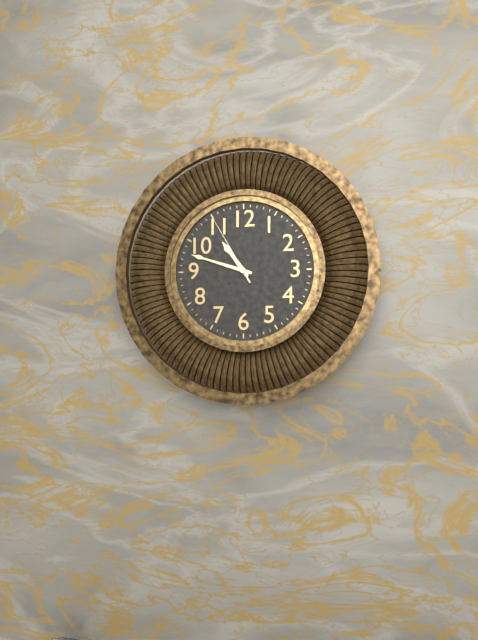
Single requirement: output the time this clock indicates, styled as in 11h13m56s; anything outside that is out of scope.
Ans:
10h48m55s
